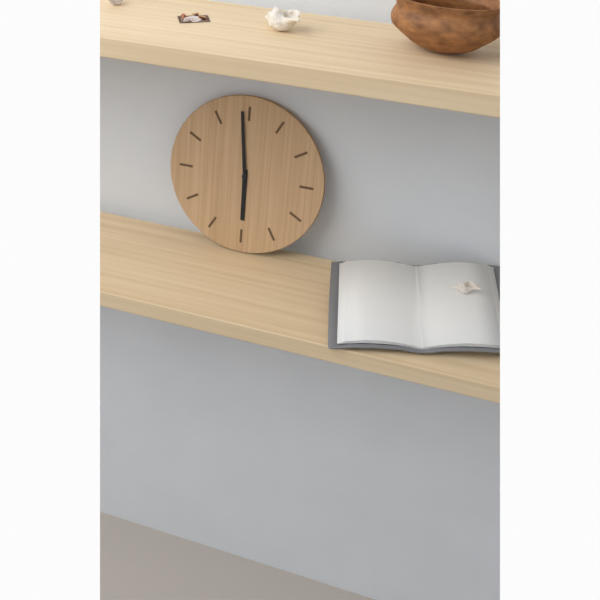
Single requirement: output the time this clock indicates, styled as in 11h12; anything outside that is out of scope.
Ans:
5h59
